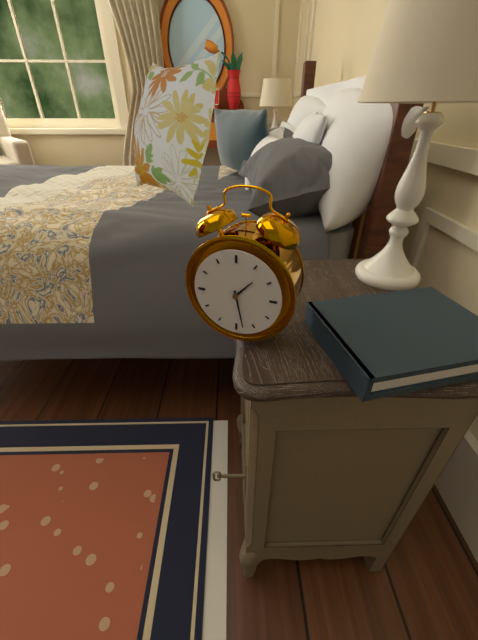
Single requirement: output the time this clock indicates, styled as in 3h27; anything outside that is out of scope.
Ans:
1h28
